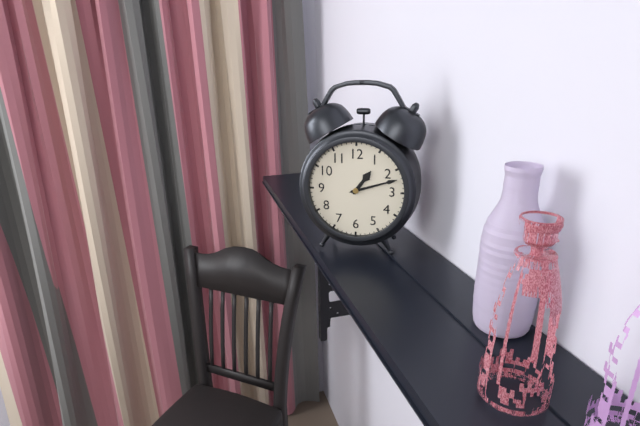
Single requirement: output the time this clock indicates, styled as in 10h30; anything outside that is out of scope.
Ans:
1h12
